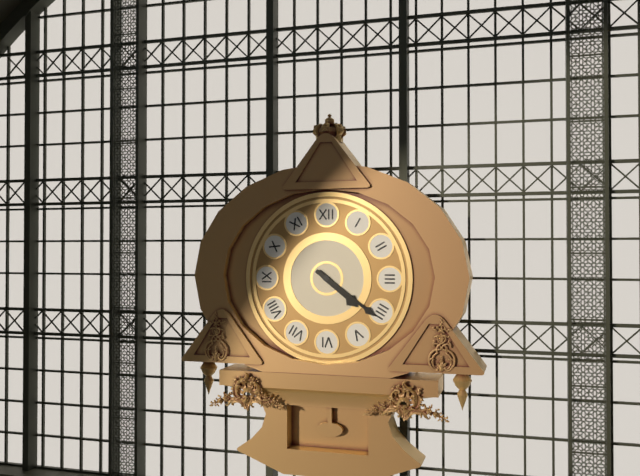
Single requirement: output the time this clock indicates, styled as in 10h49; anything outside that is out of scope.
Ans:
4h21
